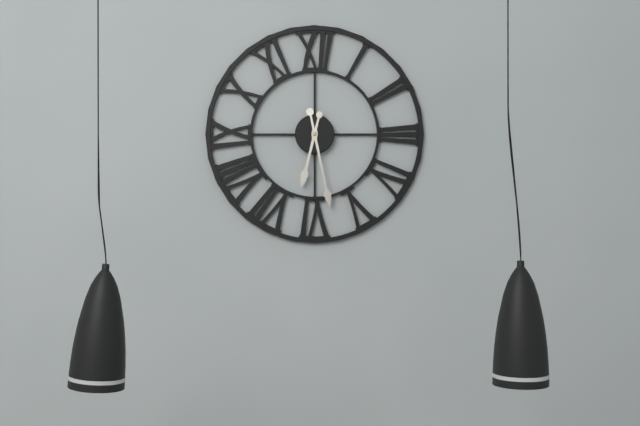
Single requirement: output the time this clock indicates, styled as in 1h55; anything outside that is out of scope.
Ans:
6h28
